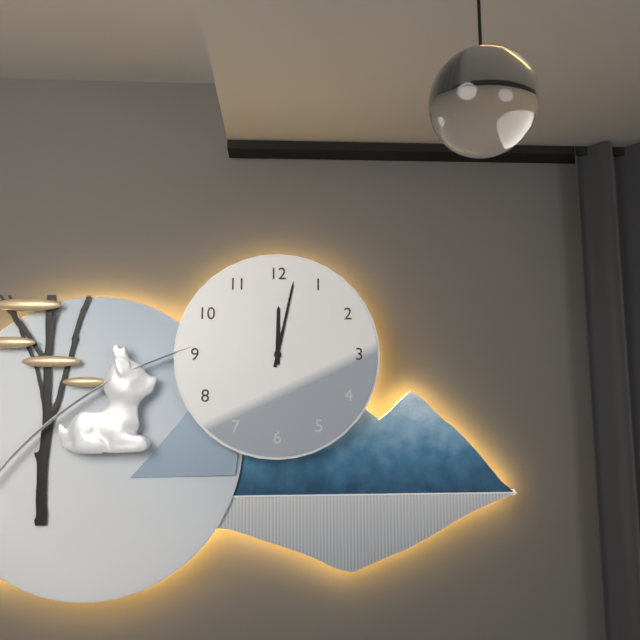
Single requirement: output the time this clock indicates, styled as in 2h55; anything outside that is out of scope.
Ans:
12h02
